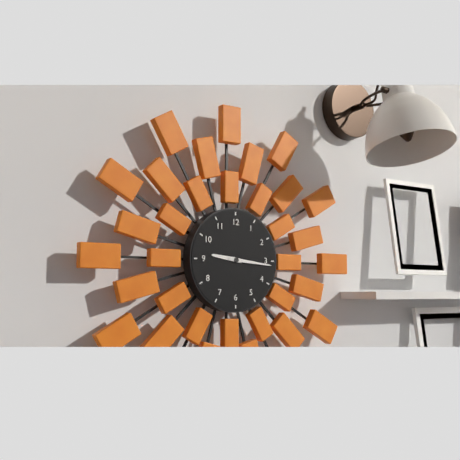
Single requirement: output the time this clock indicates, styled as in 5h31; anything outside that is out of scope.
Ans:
9h16
